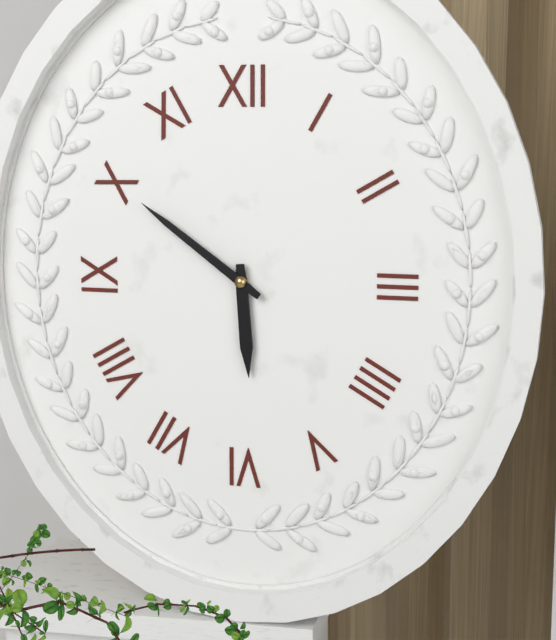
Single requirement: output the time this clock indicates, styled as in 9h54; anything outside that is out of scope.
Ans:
5h51
